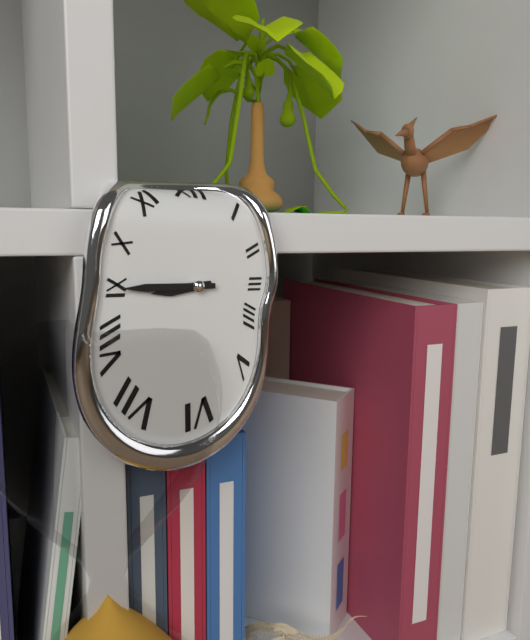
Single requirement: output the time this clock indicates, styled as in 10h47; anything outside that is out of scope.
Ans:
8h45
